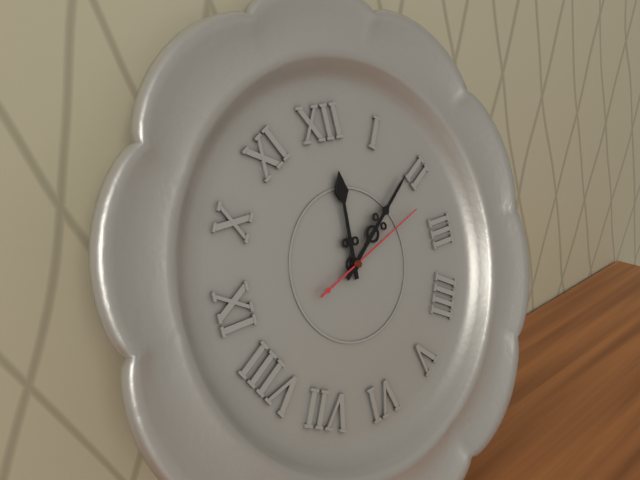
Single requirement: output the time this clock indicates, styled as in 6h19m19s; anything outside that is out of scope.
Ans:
12h09m12s
